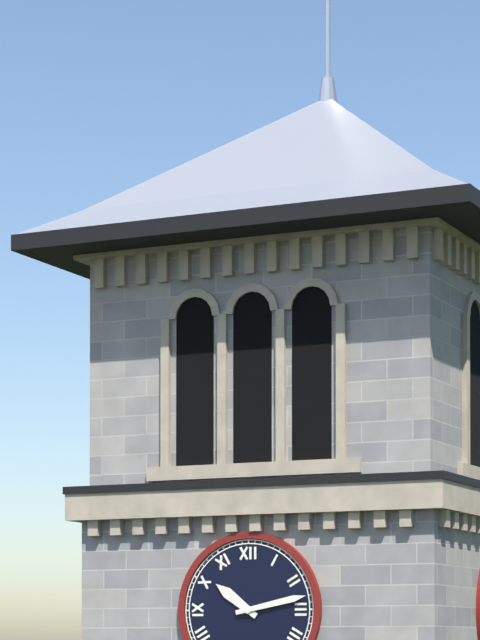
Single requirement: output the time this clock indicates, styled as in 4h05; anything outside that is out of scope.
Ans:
10h13
